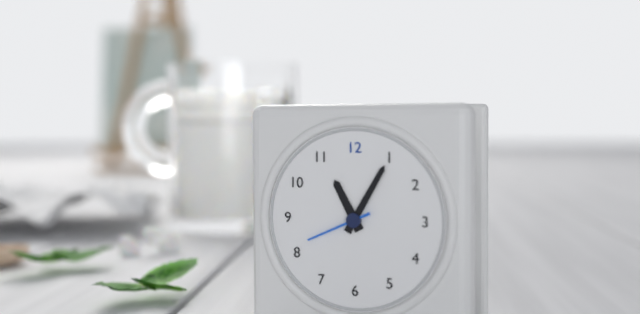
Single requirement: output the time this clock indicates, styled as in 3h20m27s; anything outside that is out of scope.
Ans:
11h05m41s
